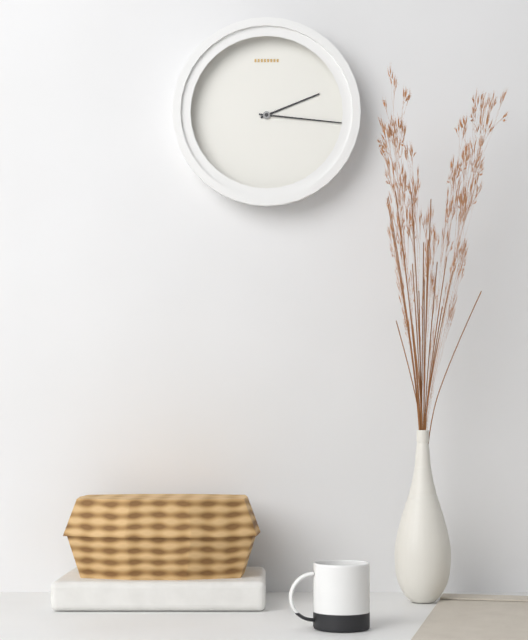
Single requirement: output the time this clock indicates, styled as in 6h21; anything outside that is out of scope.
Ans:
2h16
